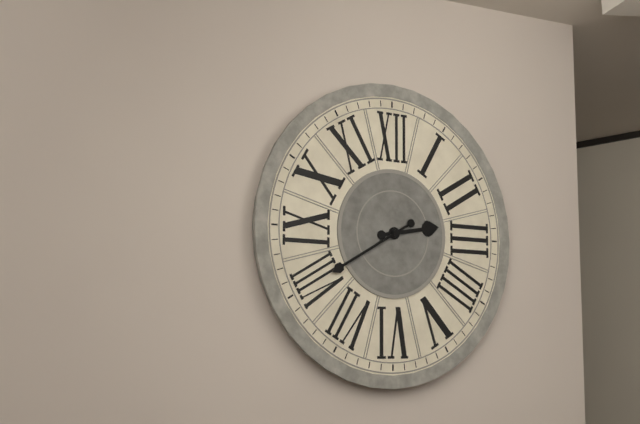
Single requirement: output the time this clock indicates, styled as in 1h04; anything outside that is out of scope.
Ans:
2h40
